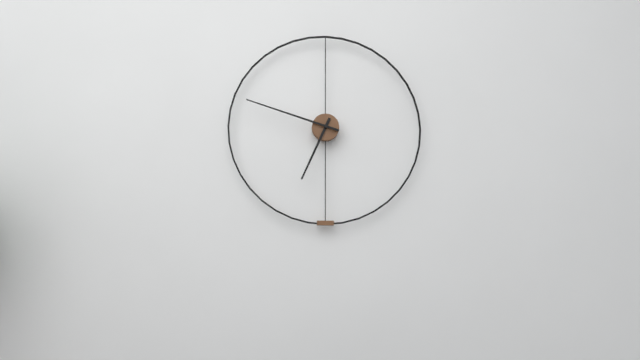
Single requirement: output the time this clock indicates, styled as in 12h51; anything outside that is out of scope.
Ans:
6h48
